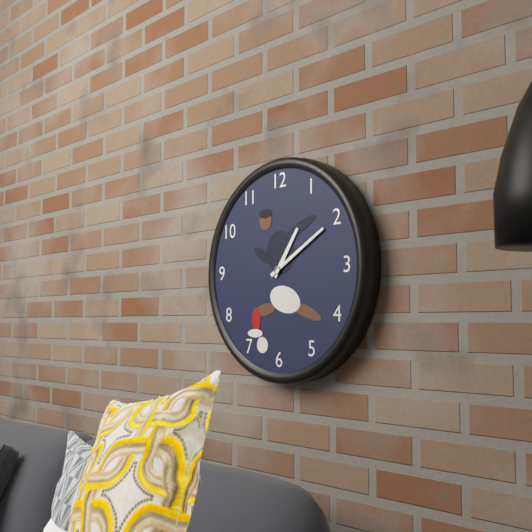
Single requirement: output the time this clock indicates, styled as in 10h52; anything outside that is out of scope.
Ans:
1h10
